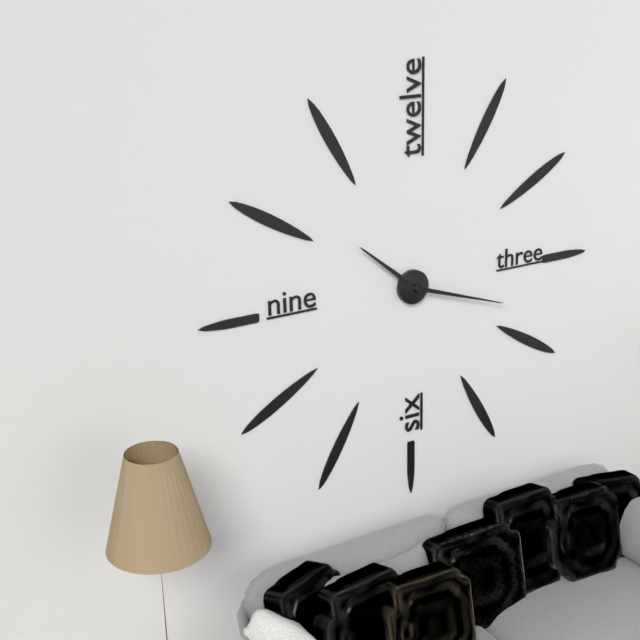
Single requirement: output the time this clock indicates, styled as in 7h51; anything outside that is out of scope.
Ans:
10h18
